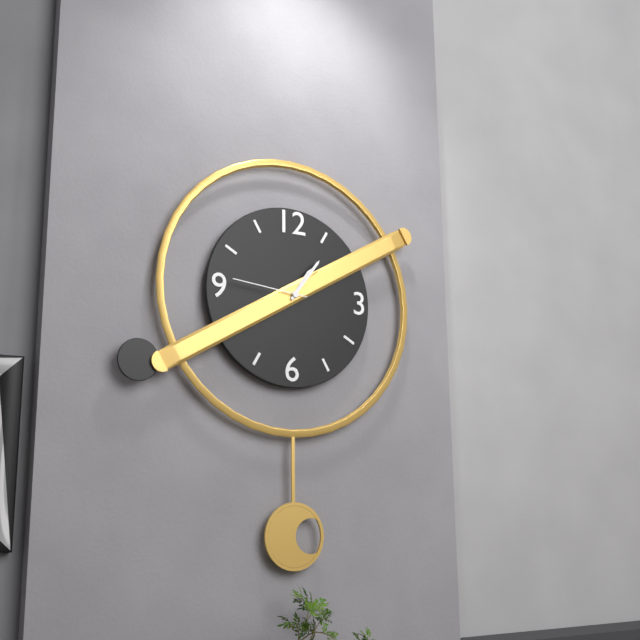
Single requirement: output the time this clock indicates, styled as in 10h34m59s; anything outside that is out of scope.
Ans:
1h06m46s
